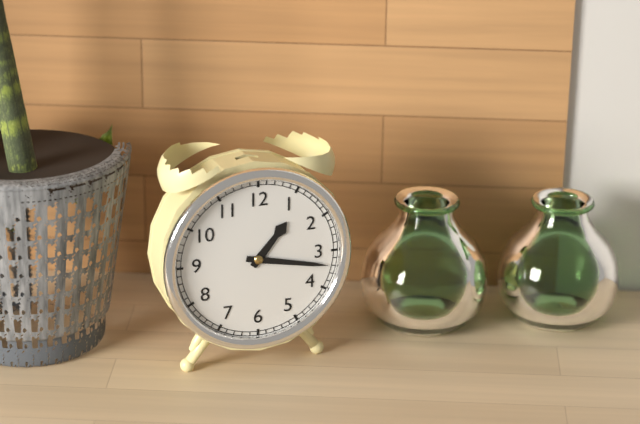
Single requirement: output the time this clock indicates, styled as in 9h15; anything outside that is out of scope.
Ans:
1h17
